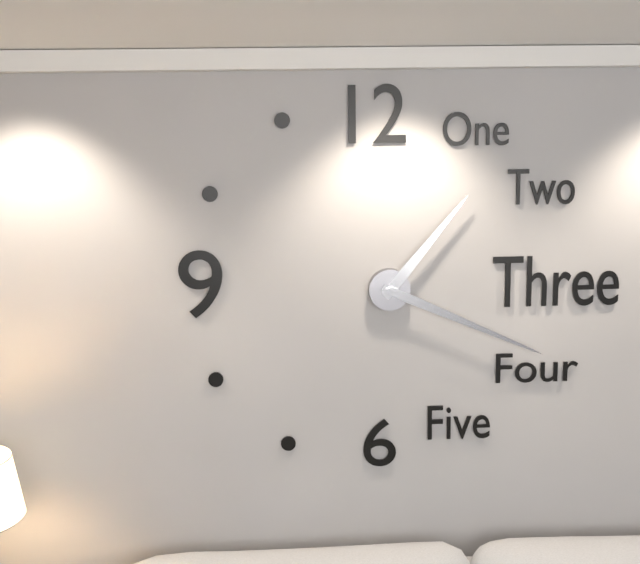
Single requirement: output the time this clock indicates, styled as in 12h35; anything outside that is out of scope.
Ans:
1h19
